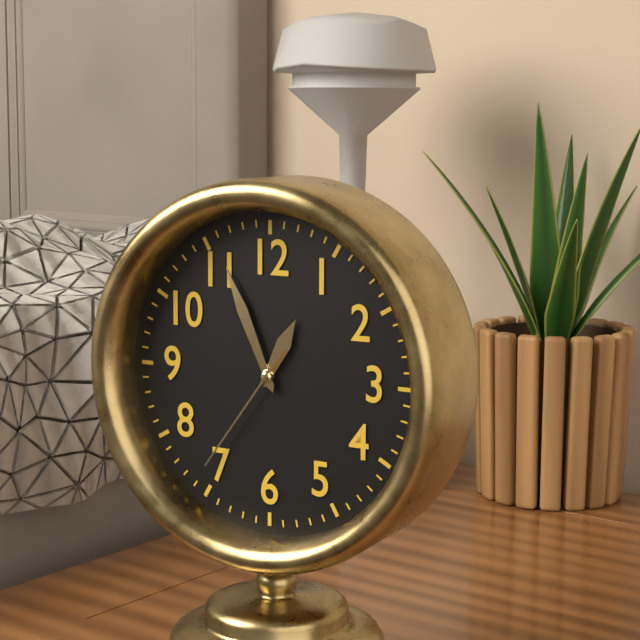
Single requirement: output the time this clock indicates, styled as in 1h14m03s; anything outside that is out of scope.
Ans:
12h56m36s
